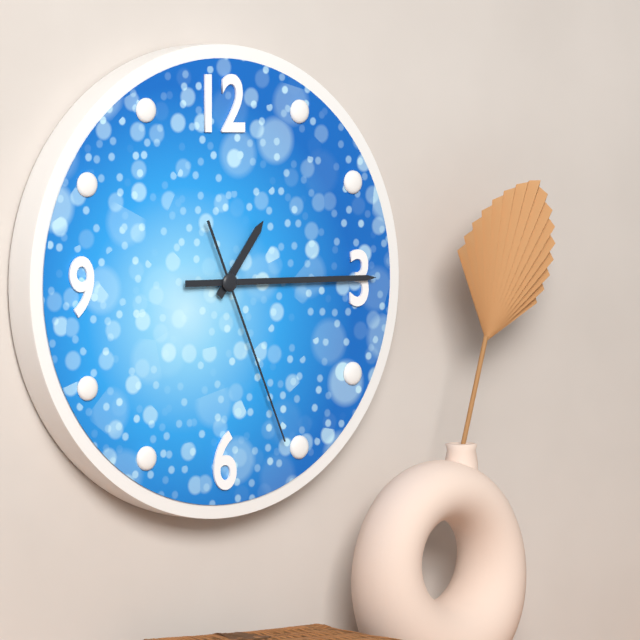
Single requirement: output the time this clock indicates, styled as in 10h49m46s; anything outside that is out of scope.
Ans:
1h15m26s
